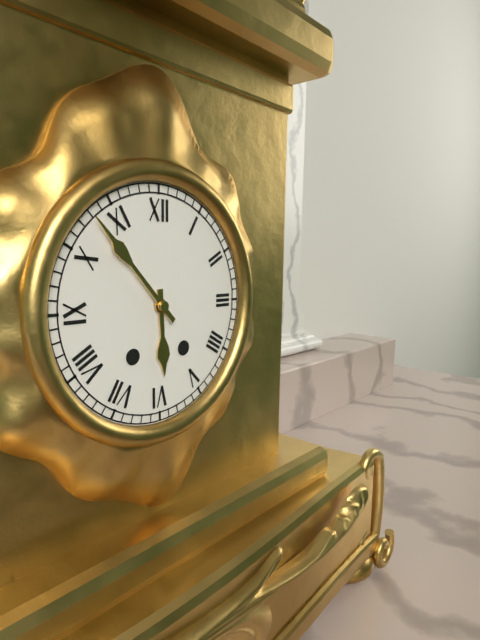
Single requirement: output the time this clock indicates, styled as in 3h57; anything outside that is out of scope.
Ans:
5h53
